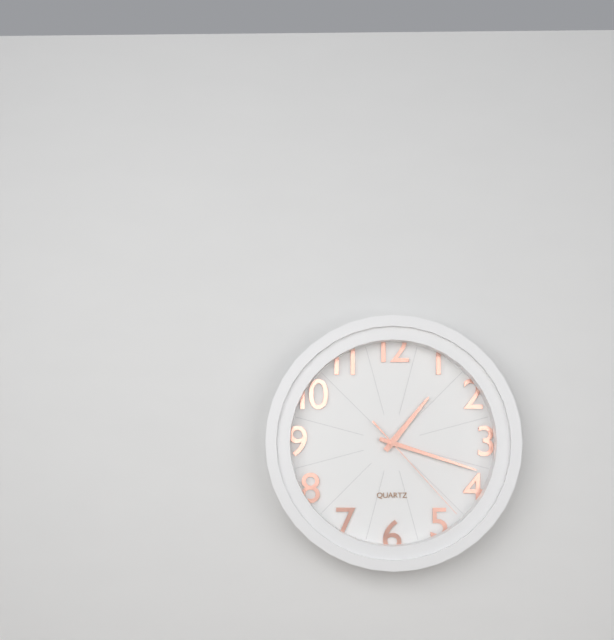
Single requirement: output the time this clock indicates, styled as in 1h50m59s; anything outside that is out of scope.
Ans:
1h18m23s
